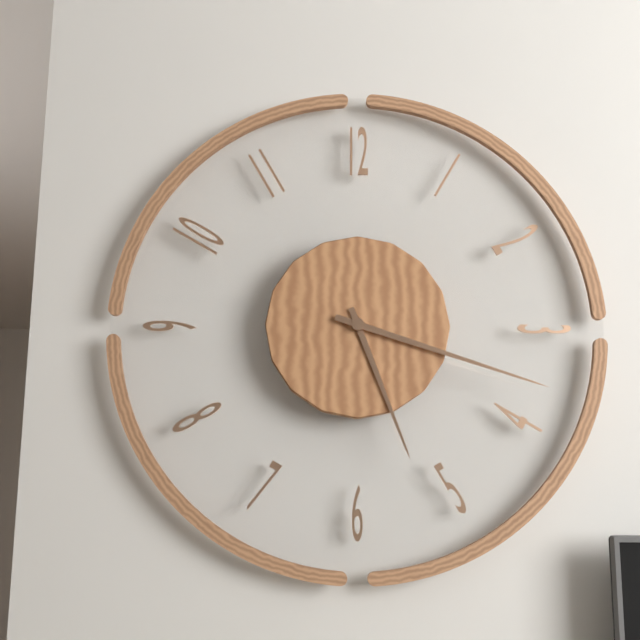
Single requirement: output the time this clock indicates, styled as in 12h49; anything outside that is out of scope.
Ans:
5h18
